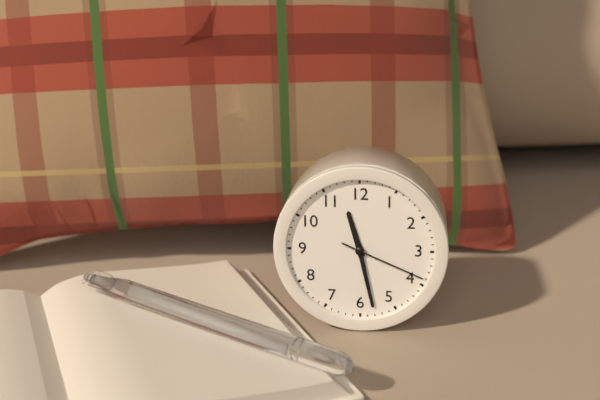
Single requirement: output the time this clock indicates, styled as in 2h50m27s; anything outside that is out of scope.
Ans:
11h28m19s
